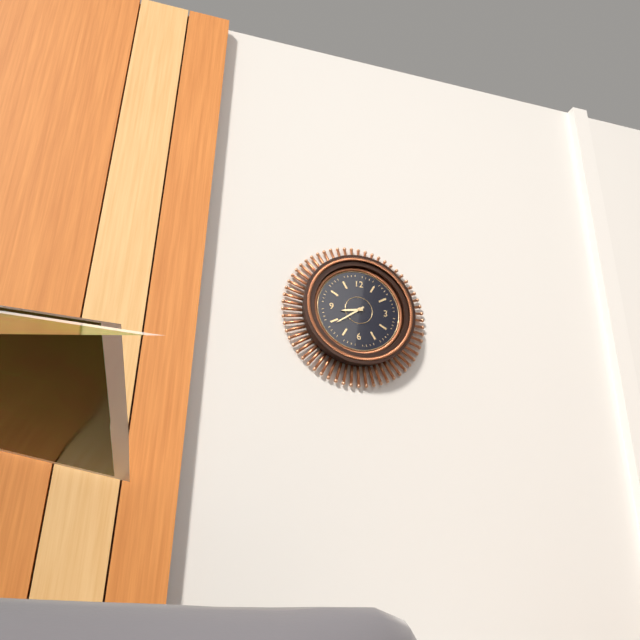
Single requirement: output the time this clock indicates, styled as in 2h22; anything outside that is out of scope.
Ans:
8h39
